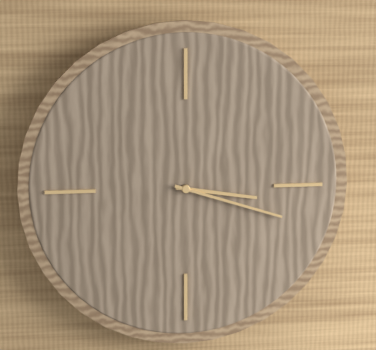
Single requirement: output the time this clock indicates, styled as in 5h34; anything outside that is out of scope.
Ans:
3h18
